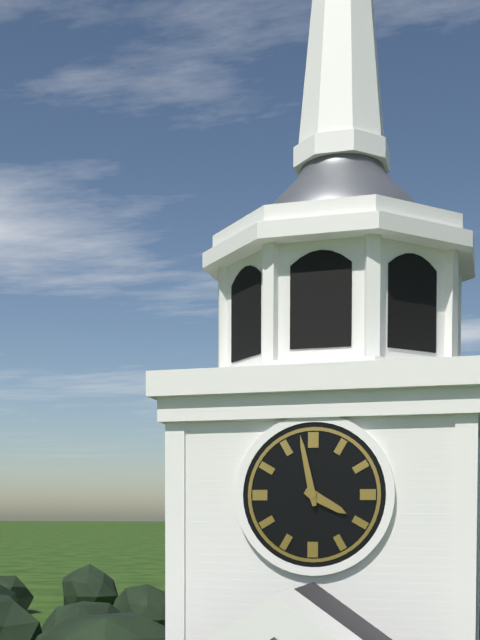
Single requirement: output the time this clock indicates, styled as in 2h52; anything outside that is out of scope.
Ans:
3h58
